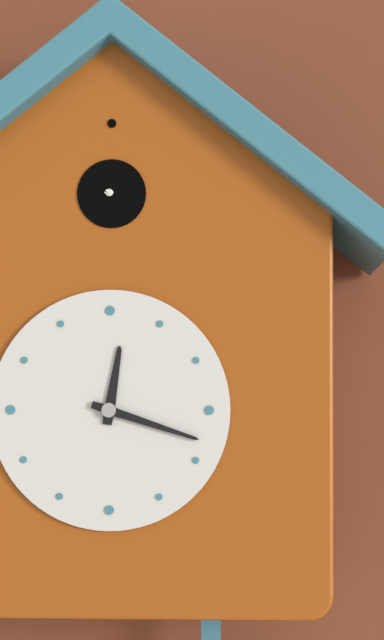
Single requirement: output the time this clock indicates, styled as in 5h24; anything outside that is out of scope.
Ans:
12h18
